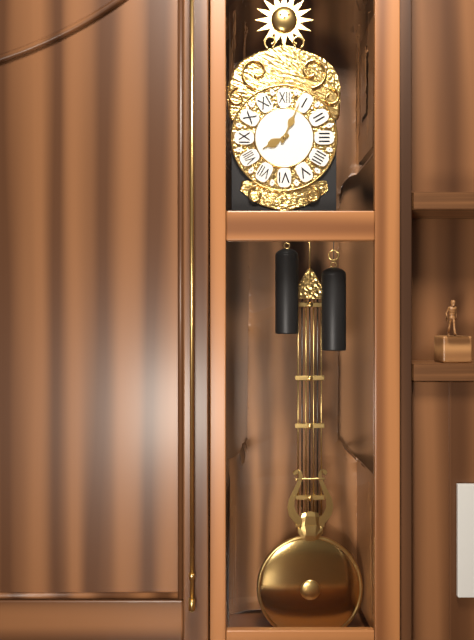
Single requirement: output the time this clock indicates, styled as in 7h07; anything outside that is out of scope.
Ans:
8h04
